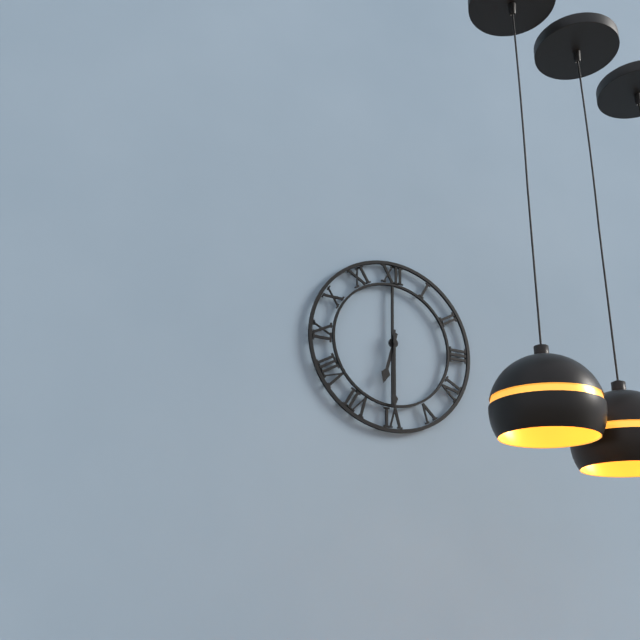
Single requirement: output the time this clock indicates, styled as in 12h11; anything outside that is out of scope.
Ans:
6h30
